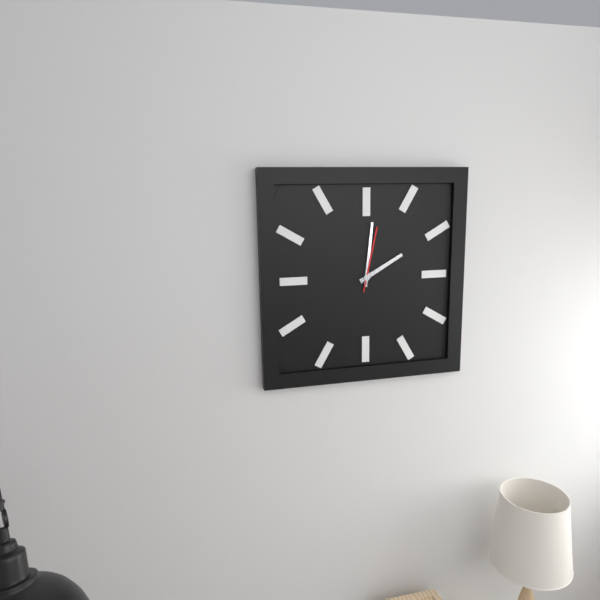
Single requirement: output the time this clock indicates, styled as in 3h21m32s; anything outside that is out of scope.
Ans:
2h01m02s
